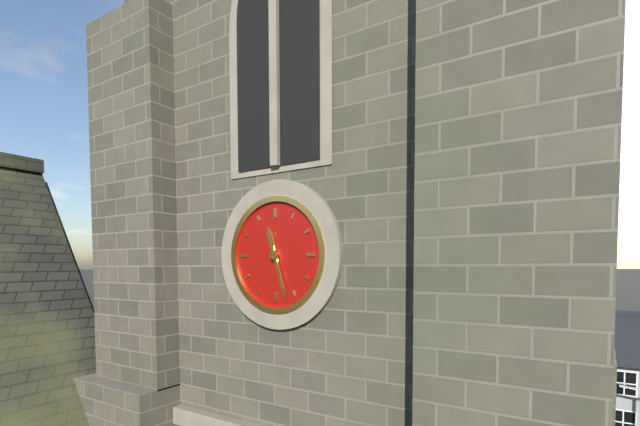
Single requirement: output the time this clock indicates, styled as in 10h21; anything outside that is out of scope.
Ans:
11h27
